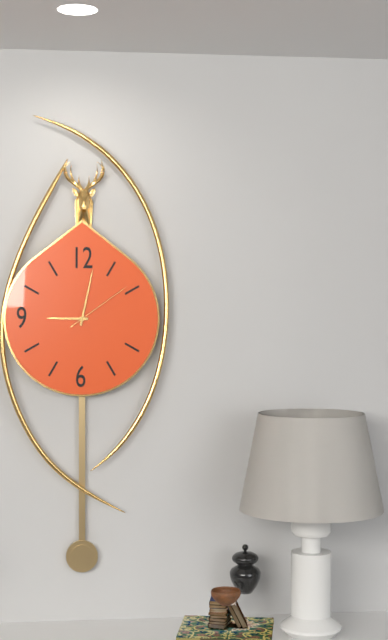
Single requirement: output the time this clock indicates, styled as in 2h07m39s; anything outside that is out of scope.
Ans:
9h02m09s
